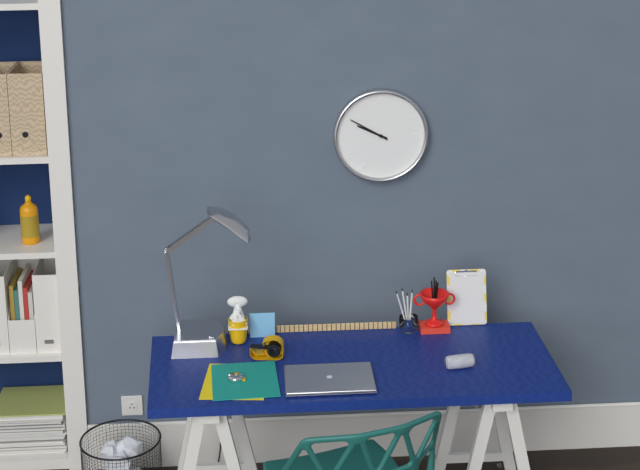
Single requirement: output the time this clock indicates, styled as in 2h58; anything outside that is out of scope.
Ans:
9h50
